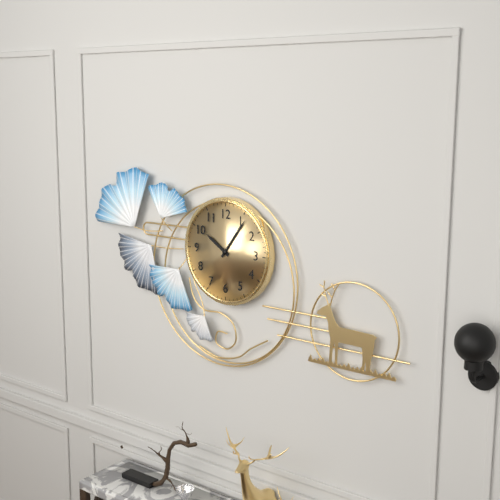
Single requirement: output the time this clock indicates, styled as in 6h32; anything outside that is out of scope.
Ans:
10h06
